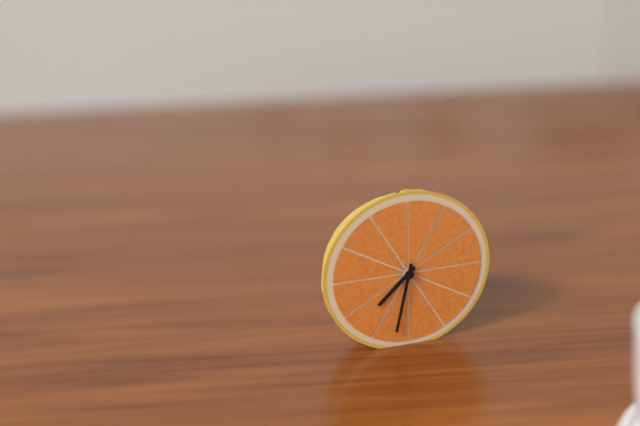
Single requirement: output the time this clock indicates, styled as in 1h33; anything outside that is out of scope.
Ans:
7h32
